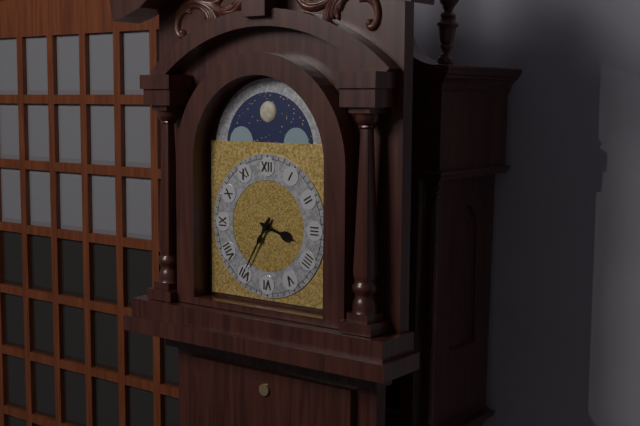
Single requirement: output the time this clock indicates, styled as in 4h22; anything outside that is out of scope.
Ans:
3h35
